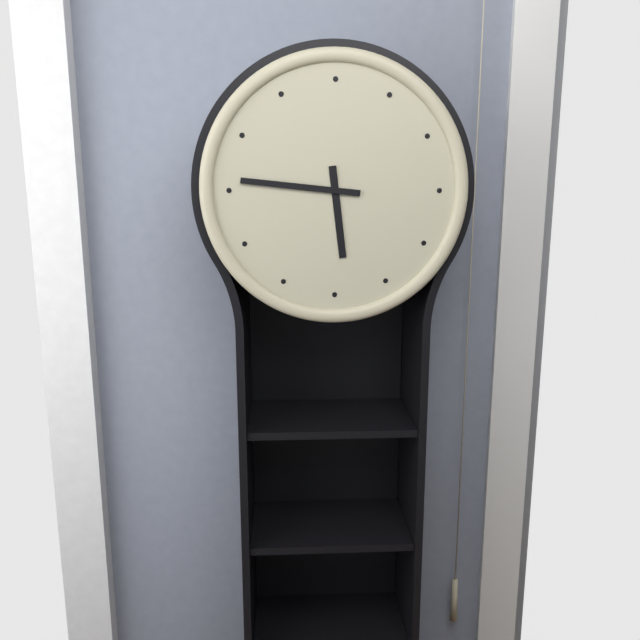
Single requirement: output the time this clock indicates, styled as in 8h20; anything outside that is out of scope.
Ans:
5h46
